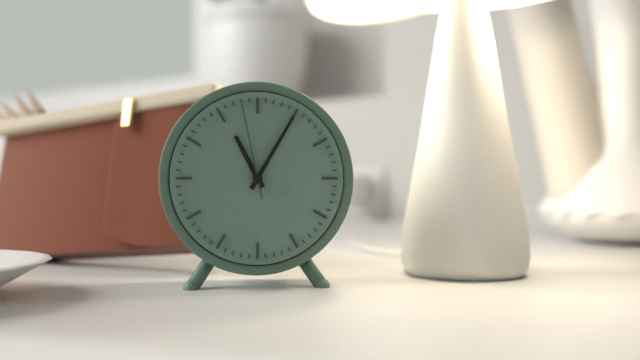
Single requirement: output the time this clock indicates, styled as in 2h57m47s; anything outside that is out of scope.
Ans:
11h05m58s
